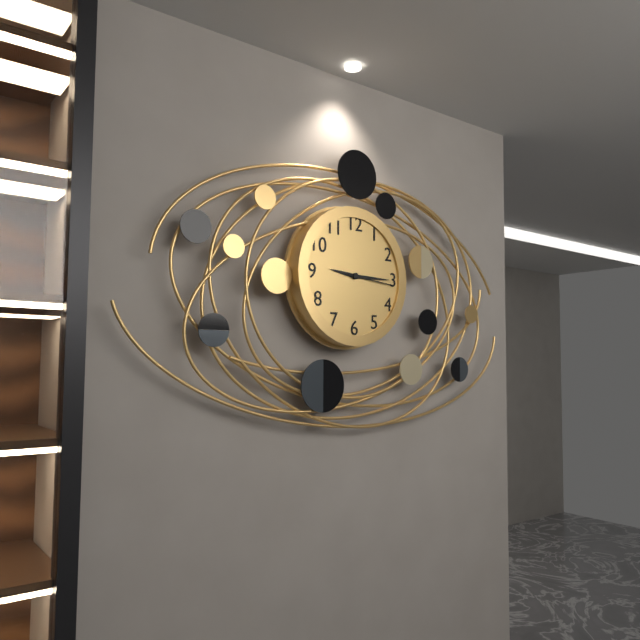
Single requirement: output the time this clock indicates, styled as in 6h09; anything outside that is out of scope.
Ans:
9h15
